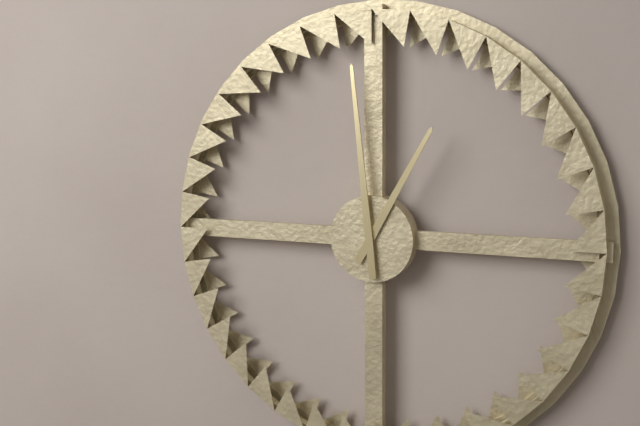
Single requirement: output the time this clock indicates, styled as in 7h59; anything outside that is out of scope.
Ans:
12h59
